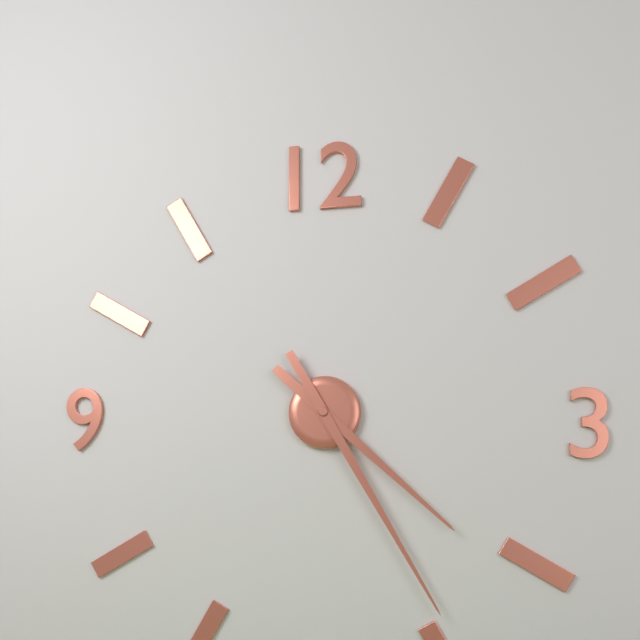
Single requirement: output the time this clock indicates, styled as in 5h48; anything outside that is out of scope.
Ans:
4h25
